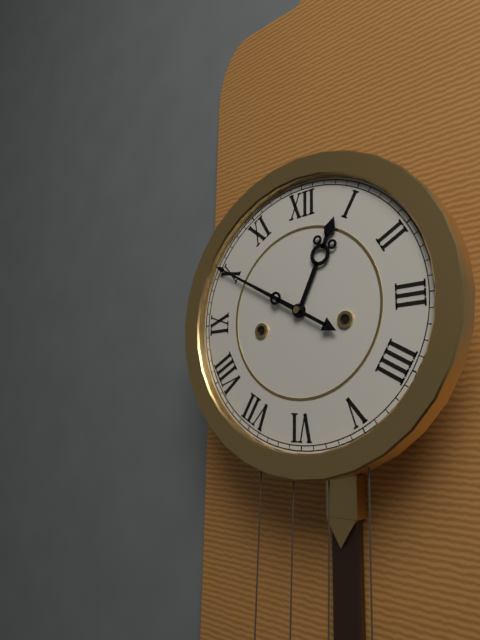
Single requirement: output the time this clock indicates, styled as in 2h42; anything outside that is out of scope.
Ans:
12h50
